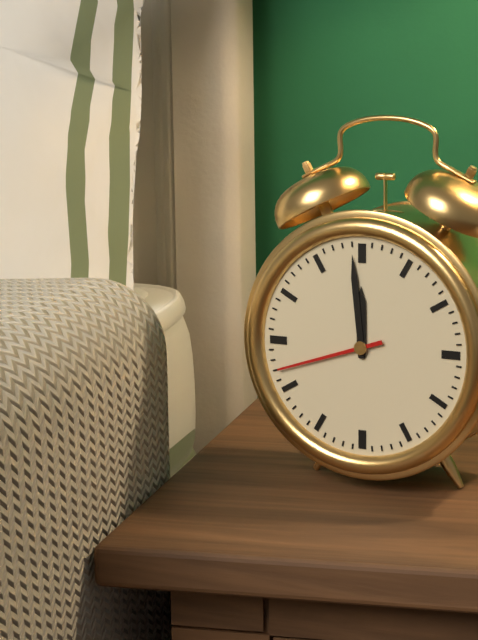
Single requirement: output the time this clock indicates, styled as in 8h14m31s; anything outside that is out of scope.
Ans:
11h59m42s
